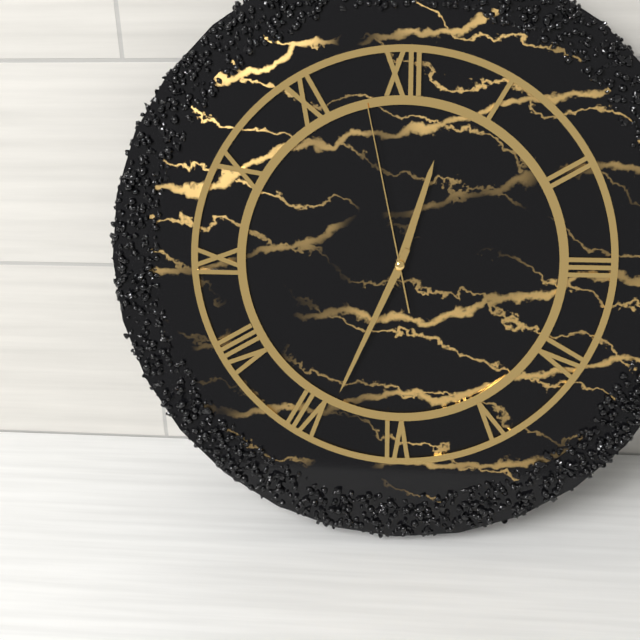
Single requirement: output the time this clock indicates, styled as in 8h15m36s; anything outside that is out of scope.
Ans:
12h34m58s
